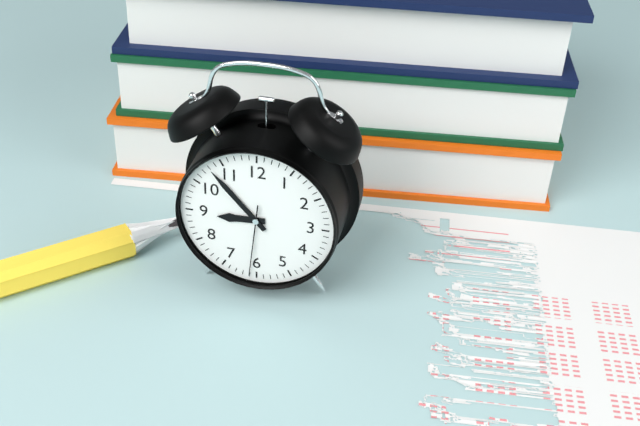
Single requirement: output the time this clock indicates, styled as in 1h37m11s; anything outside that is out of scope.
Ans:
8h53m31s
